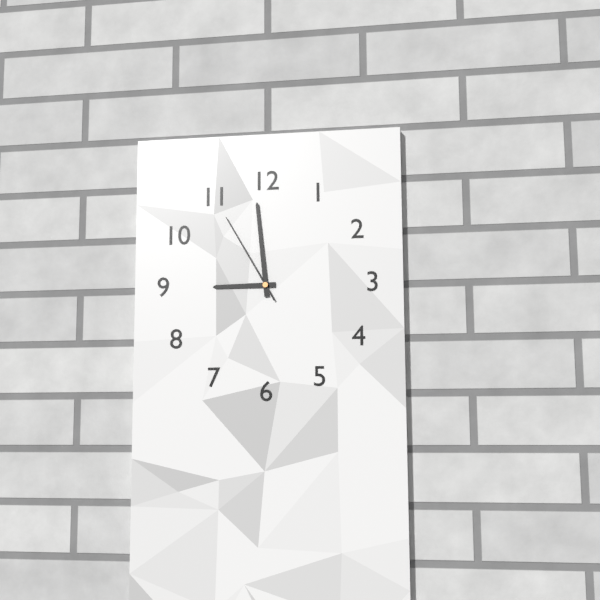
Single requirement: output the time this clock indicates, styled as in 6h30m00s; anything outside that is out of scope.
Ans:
8h59m55s
